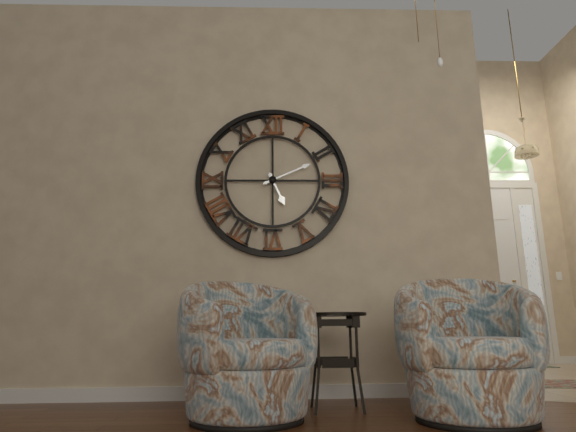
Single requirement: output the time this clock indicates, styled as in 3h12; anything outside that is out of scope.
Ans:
5h11
